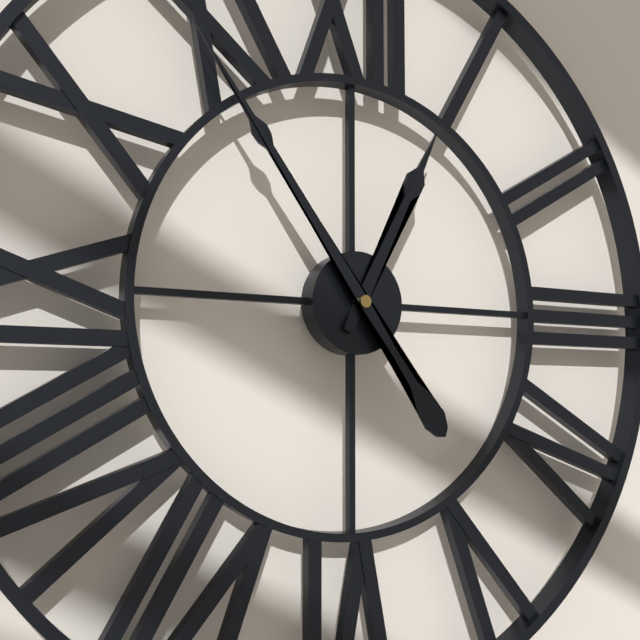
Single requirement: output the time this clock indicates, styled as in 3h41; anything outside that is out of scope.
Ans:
12h54
